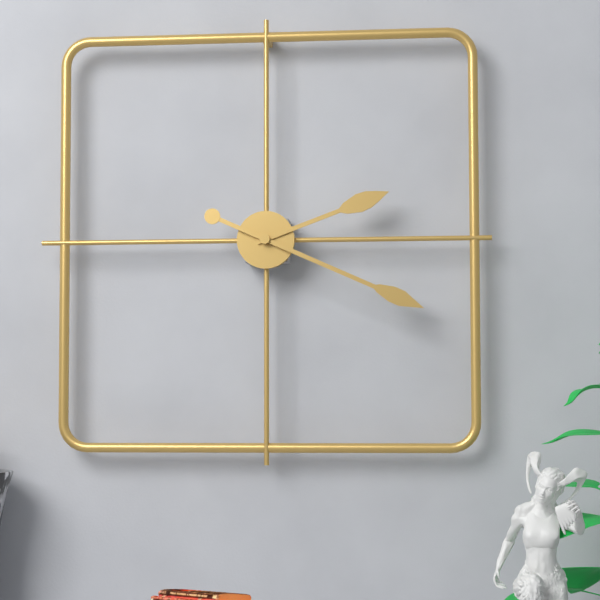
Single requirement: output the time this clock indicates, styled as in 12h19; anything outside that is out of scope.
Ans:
2h19
